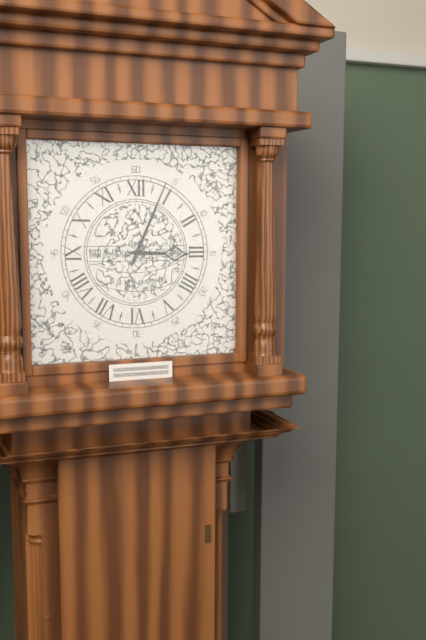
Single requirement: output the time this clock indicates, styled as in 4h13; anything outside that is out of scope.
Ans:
3h04
